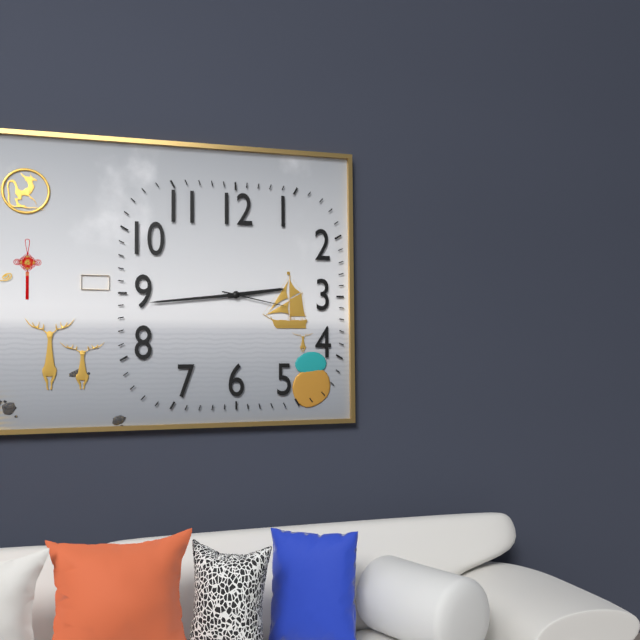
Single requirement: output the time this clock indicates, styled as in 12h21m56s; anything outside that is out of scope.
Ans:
2h44m17s
